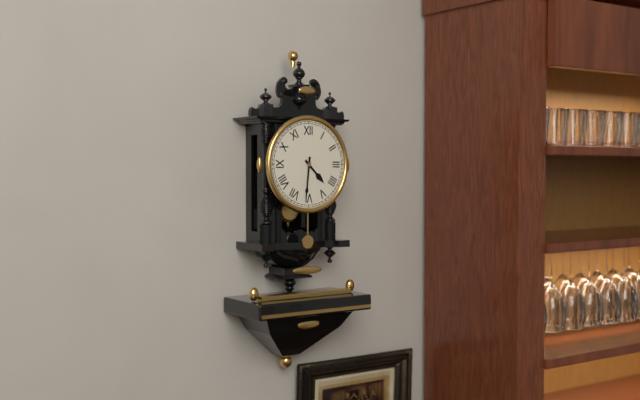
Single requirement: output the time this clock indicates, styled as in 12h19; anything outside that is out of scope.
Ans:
4h31
